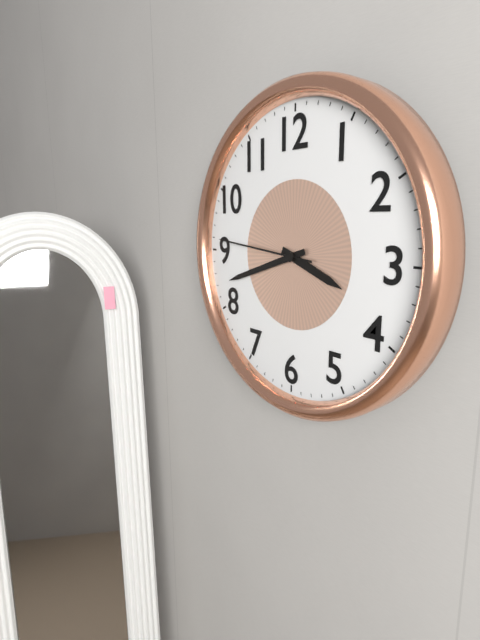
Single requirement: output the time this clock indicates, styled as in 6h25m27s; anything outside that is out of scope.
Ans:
3h42m46s
